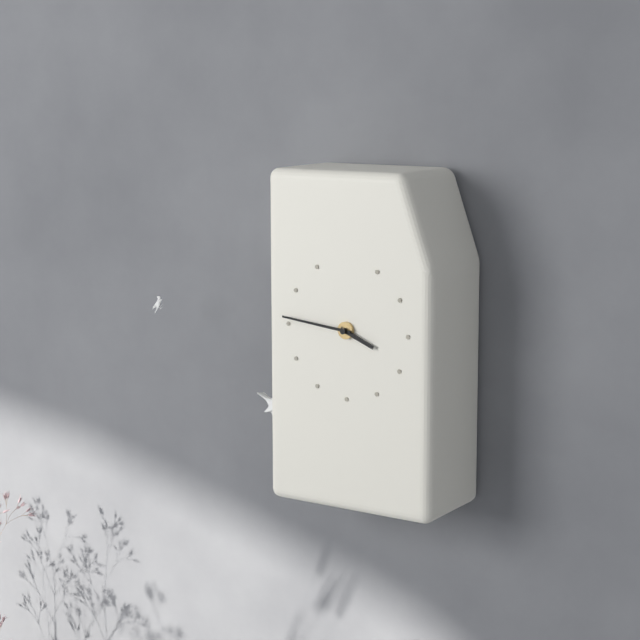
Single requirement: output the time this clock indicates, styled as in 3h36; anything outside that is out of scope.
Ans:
3h46
